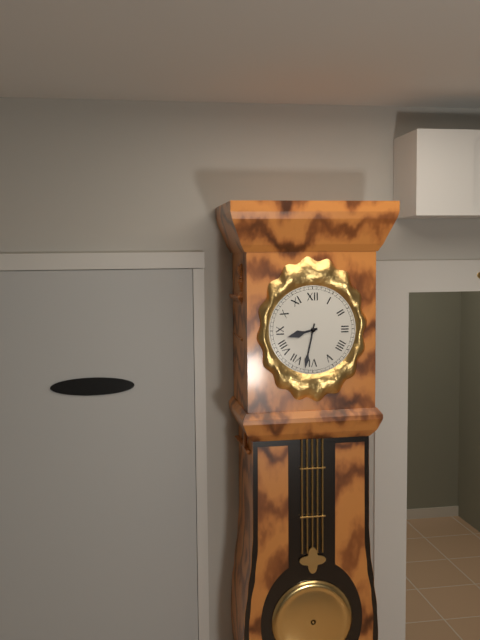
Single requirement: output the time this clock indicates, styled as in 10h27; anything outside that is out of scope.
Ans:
8h32
